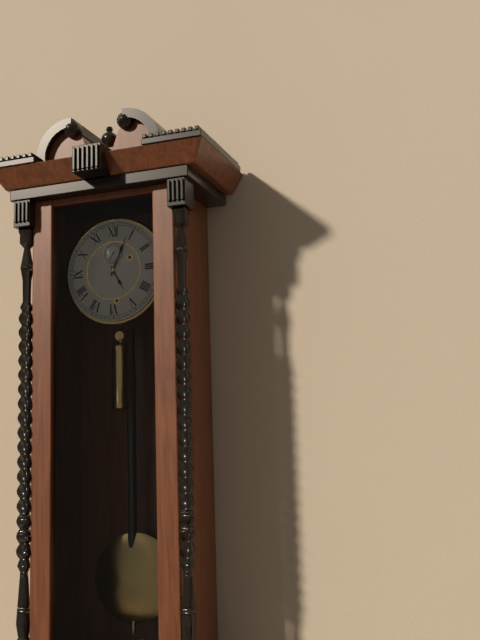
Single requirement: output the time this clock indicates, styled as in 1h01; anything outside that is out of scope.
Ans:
5h04
